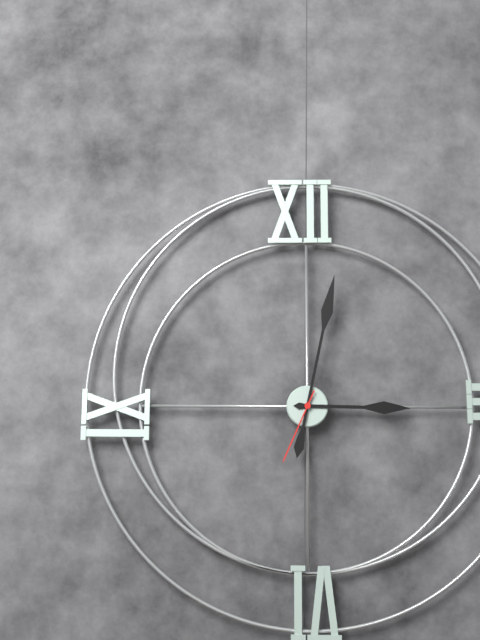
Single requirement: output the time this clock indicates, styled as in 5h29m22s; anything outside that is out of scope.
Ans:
3h02m34s
